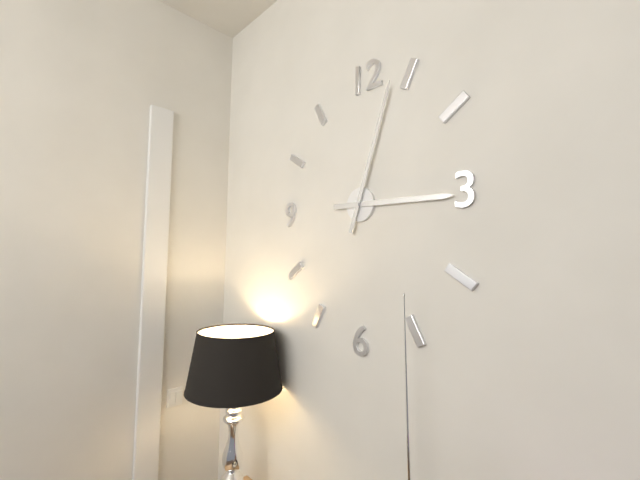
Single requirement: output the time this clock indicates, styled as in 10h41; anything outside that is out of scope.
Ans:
3h03
